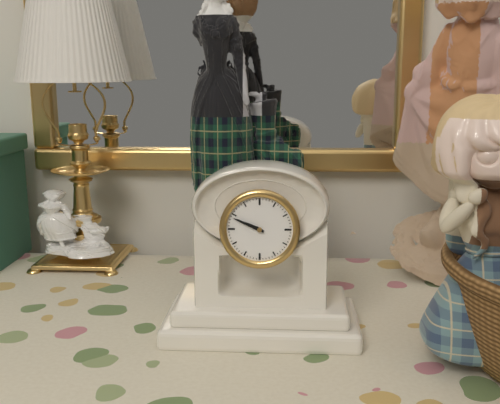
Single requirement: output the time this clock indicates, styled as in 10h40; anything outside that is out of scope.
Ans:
9h49
